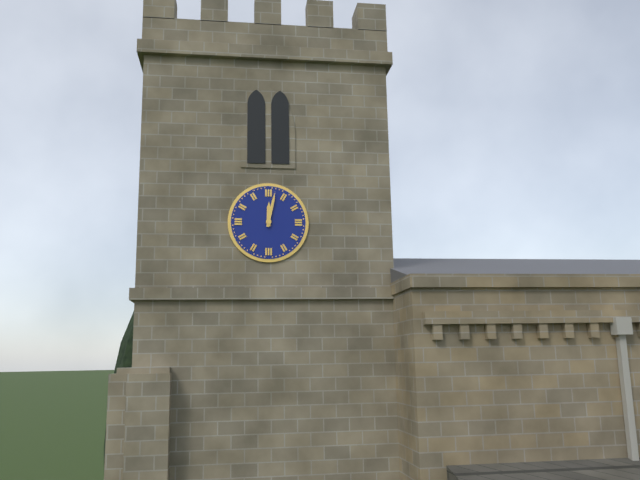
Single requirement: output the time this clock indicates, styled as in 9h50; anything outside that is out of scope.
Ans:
12h02
